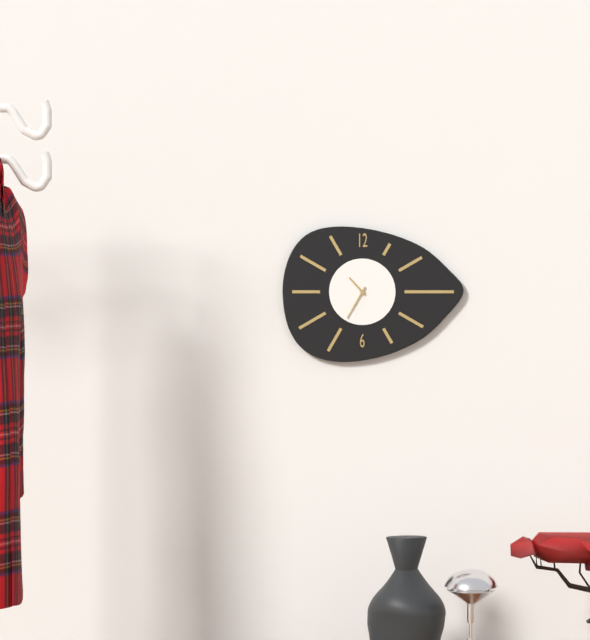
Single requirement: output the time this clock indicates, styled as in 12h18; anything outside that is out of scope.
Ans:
10h35
